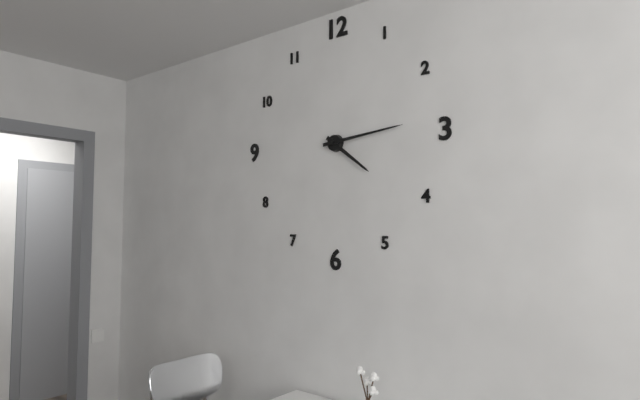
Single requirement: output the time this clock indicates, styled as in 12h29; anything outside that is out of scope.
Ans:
4h14
